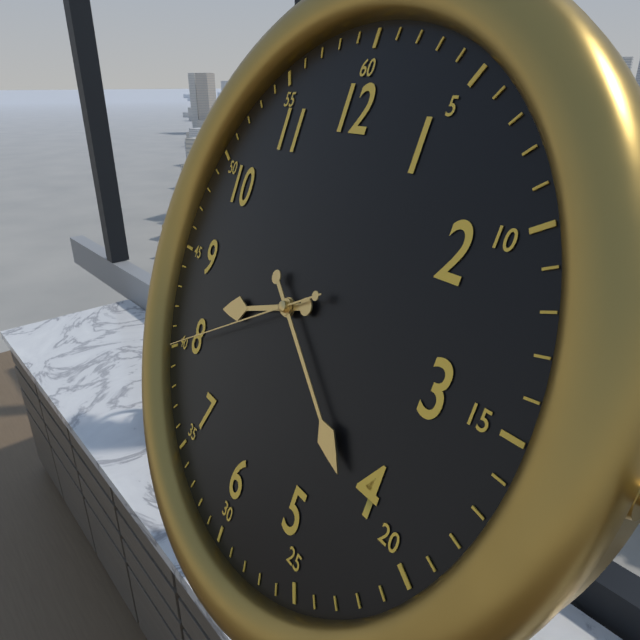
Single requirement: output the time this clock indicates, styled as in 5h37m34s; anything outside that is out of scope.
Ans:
8h21m40s
